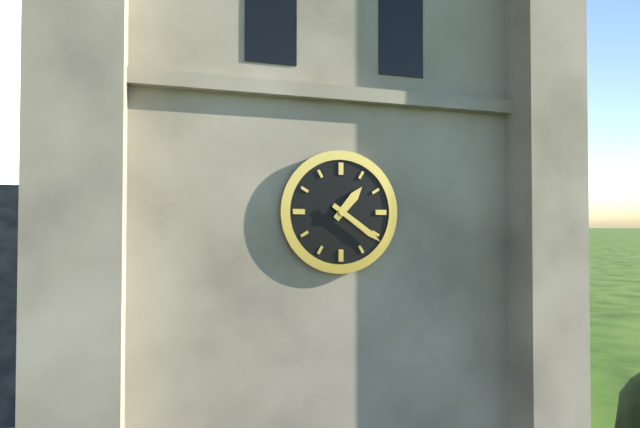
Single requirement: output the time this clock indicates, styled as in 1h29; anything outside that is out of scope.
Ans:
1h21
